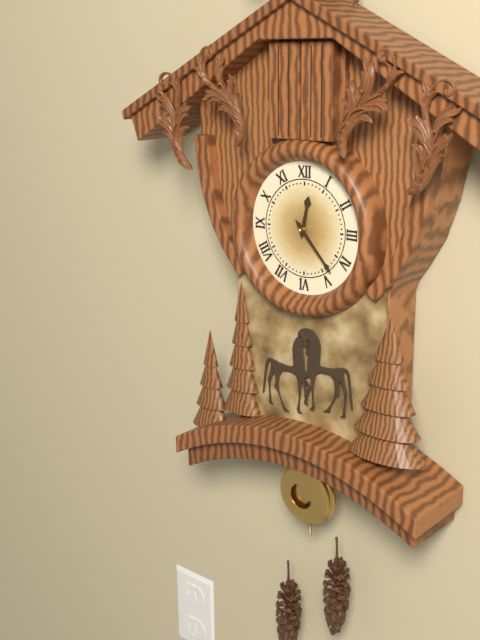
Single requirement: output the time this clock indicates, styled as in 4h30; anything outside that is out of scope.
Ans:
12h23
